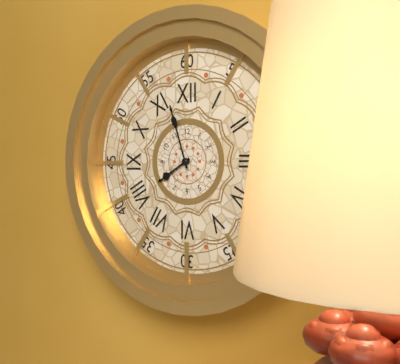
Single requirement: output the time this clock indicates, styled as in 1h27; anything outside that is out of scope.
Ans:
7h57
